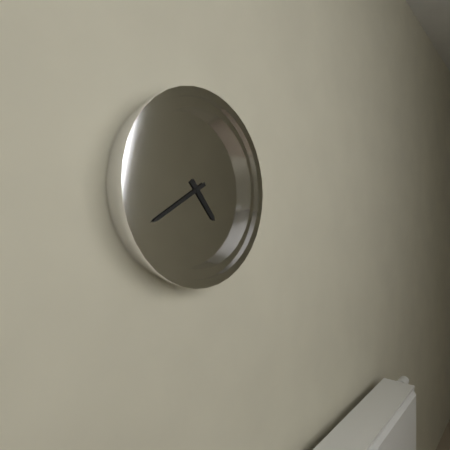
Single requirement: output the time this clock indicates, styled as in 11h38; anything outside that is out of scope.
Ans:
4h40
